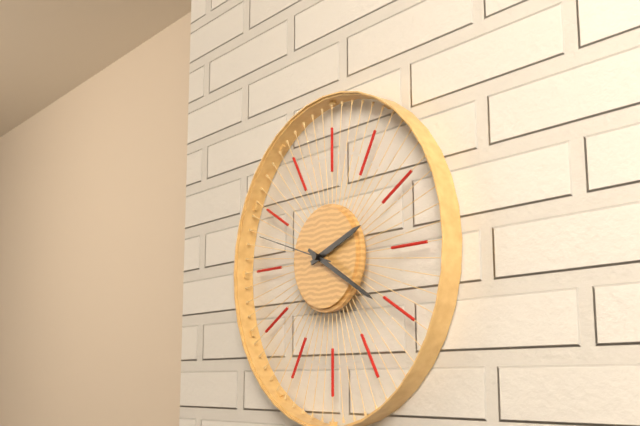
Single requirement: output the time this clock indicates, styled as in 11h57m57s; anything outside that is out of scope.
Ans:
2h20m48s
